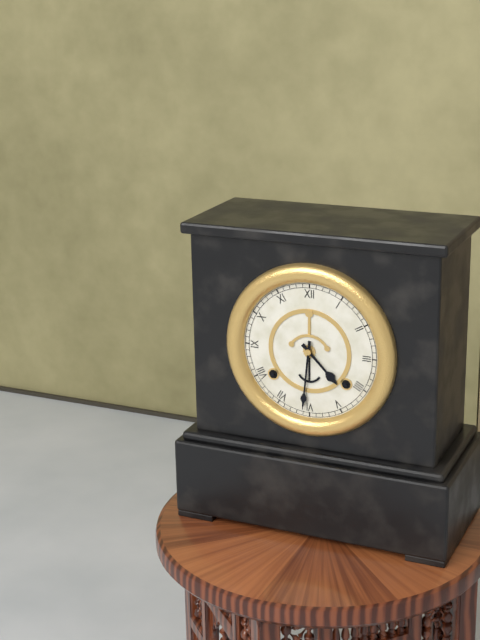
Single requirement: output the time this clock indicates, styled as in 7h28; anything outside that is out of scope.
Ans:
4h31
